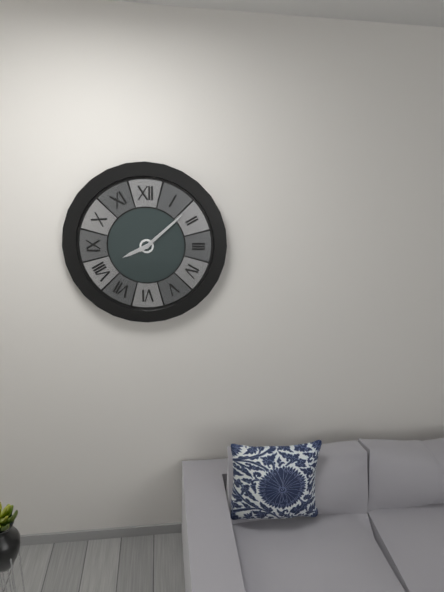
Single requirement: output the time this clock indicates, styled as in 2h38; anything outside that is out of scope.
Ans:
8h08
